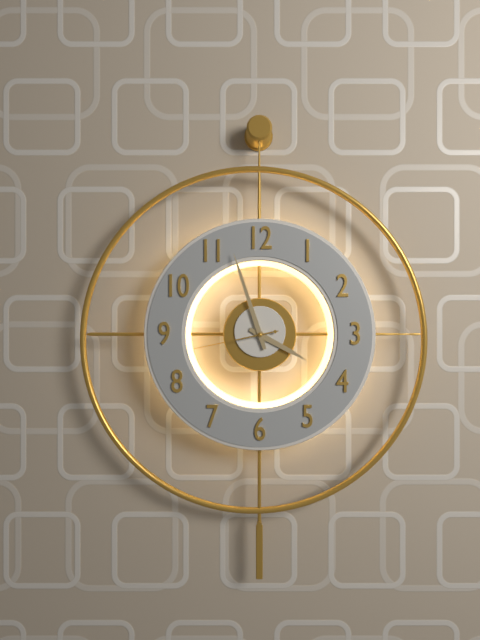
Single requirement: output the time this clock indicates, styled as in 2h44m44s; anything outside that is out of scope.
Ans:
3h57m43s
